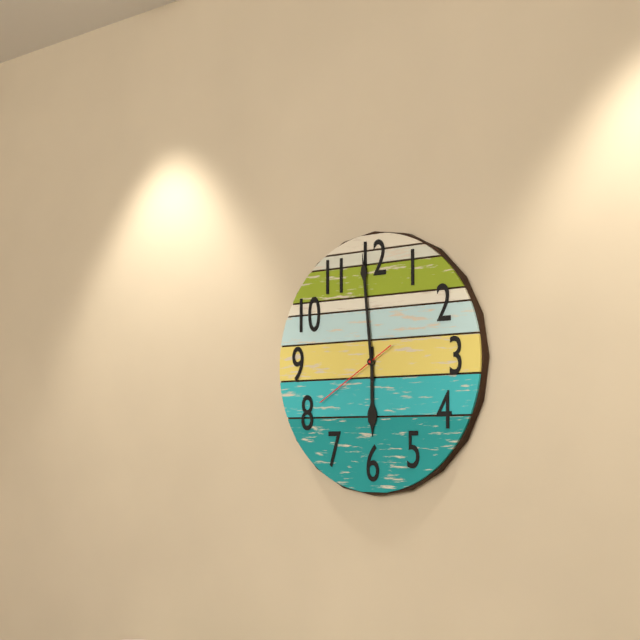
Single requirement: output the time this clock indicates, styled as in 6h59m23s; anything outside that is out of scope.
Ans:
5h59m40s
